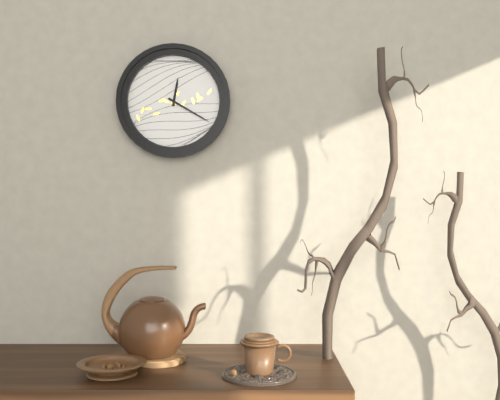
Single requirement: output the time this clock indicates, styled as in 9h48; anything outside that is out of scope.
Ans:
12h20
